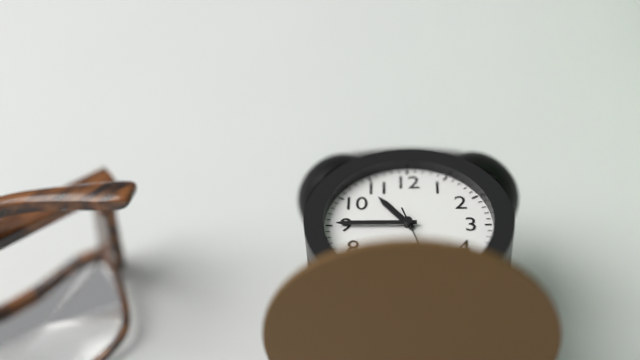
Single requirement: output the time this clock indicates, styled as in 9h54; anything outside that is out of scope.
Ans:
10h45
